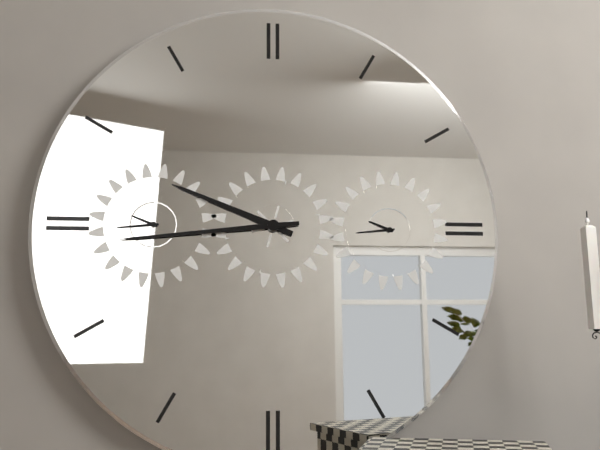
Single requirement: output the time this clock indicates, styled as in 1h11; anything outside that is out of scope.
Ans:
9h44
